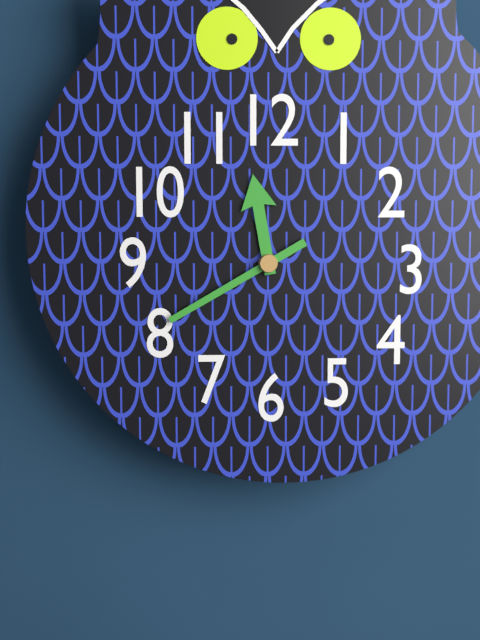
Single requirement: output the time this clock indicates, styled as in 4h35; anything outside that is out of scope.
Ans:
11h40
